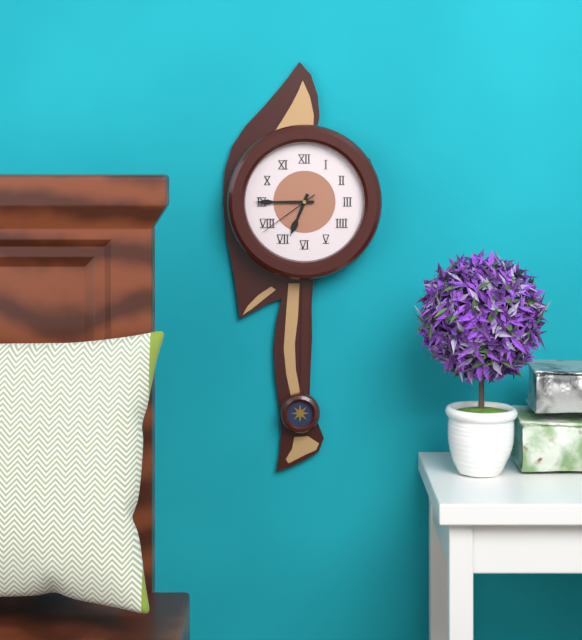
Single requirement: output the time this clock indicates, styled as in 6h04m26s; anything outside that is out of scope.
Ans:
6h45m39s
